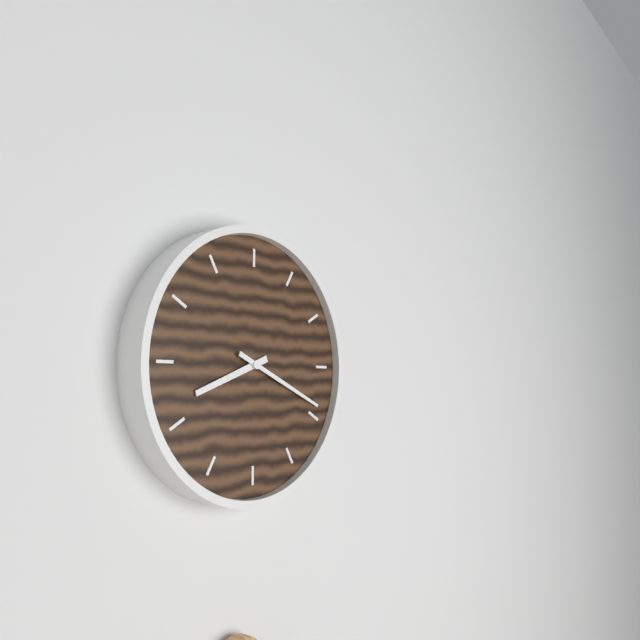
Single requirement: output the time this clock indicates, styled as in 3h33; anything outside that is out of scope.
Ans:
8h19
